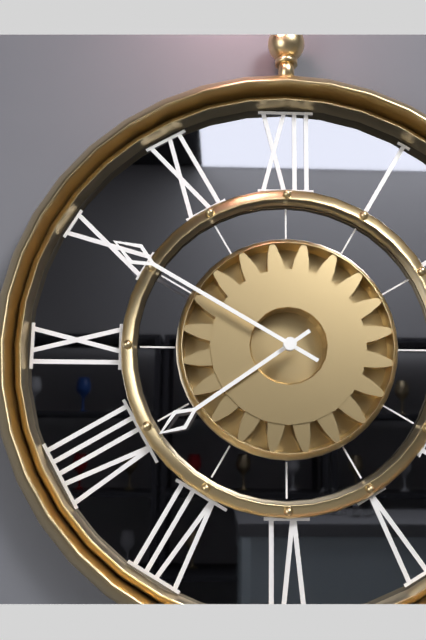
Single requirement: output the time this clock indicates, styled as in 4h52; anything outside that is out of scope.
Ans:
7h50
